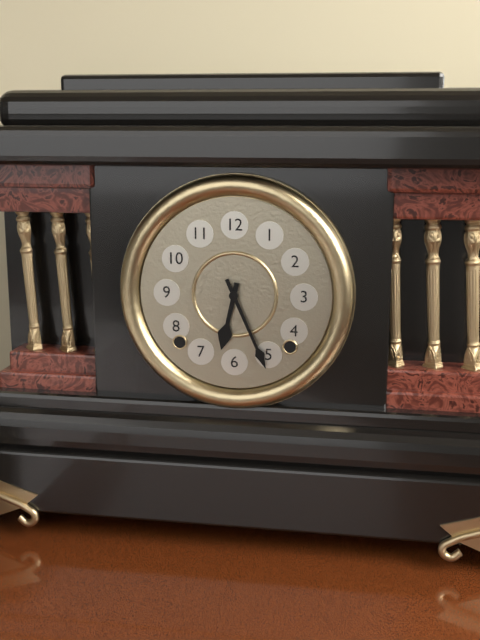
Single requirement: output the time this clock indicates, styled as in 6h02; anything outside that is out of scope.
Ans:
6h26
